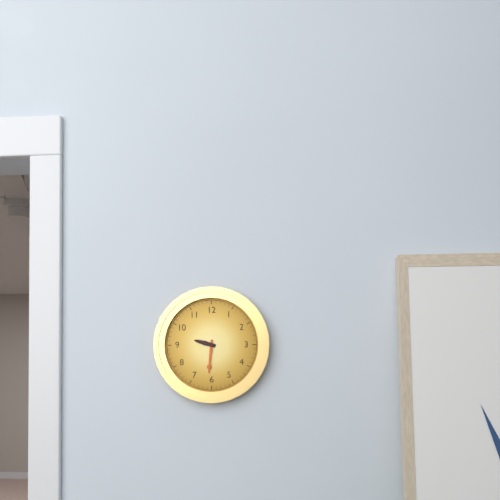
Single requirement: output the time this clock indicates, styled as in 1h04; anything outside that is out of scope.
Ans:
9h31
